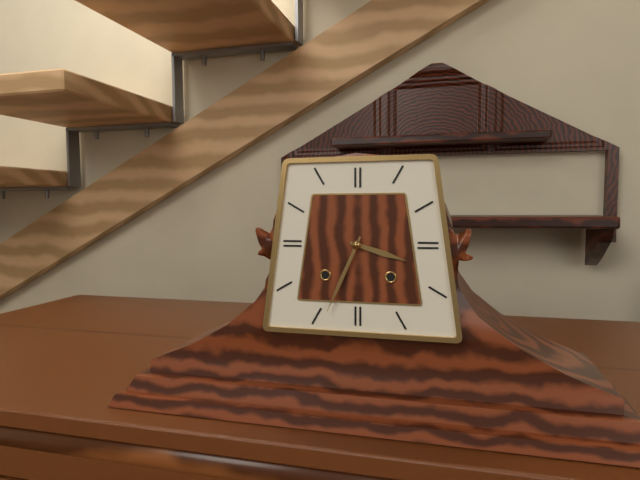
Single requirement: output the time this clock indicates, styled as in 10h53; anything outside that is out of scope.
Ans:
3h34
